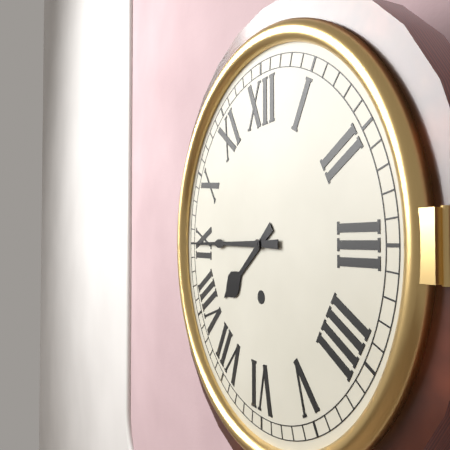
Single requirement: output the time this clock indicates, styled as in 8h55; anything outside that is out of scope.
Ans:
7h45
